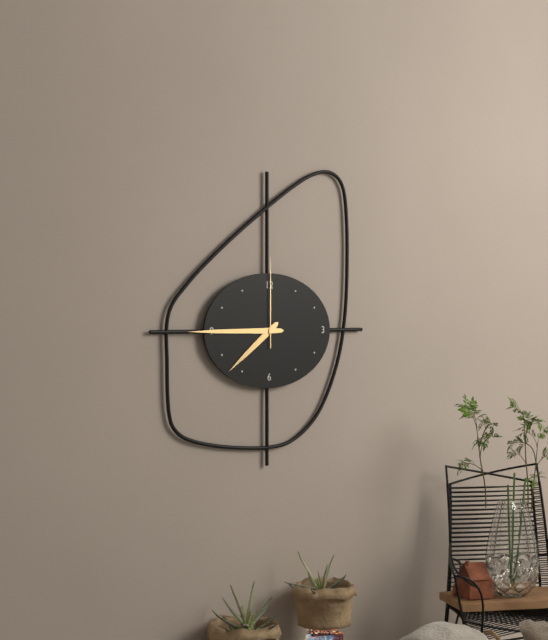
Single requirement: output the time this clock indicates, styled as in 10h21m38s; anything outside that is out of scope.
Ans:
7h45m00s
